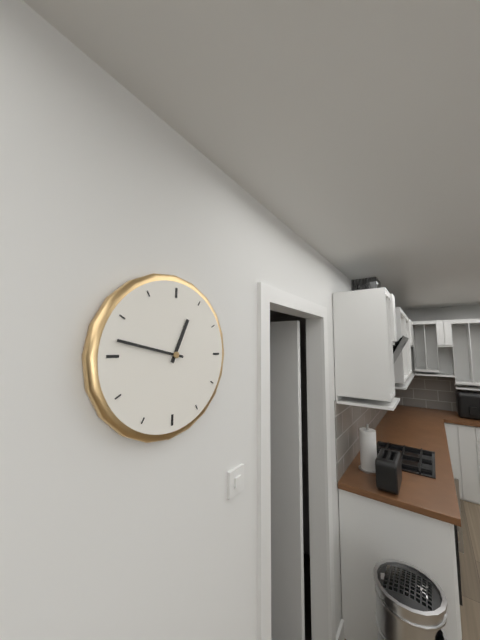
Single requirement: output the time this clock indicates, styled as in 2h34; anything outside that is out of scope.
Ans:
12h47
